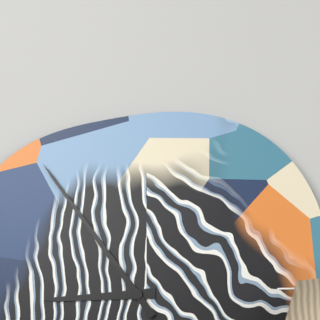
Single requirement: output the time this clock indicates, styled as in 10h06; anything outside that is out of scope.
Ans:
8h54
